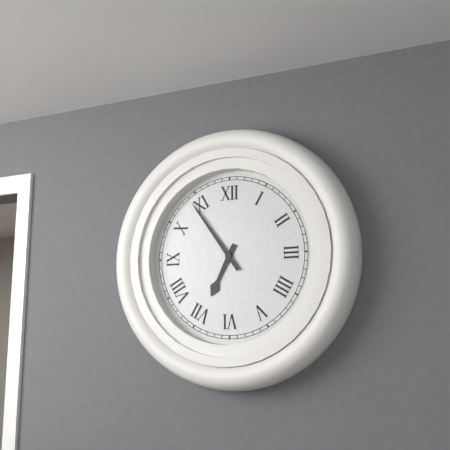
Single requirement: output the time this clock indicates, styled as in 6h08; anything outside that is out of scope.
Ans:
6h54
